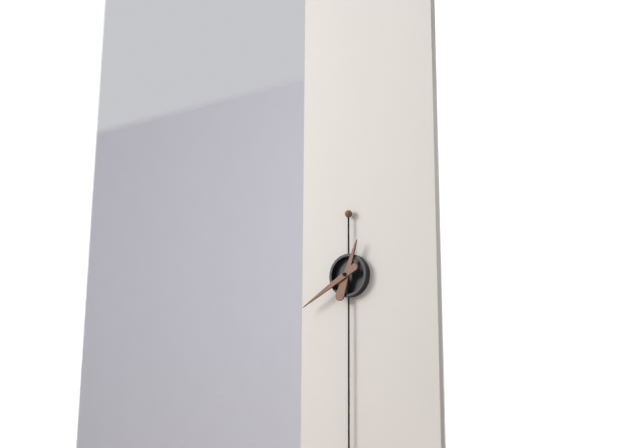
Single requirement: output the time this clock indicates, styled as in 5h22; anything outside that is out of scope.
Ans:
12h40
